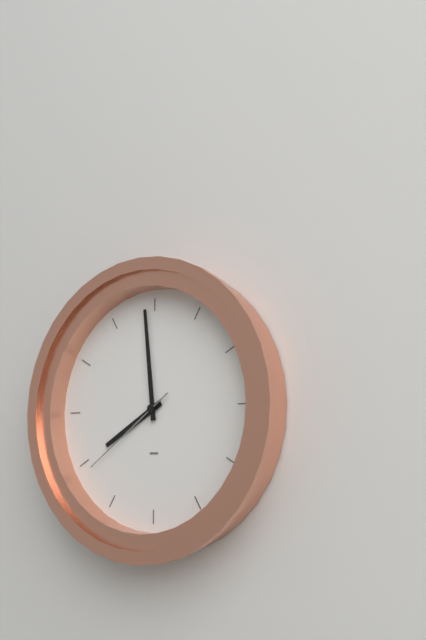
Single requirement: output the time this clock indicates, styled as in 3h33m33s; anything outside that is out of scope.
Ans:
7h59m39s
